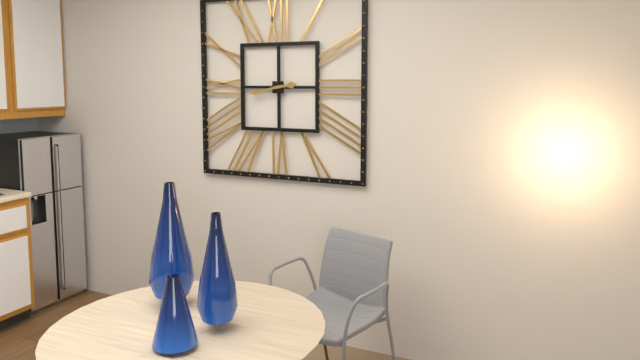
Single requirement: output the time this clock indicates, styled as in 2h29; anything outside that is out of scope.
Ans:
2h43
